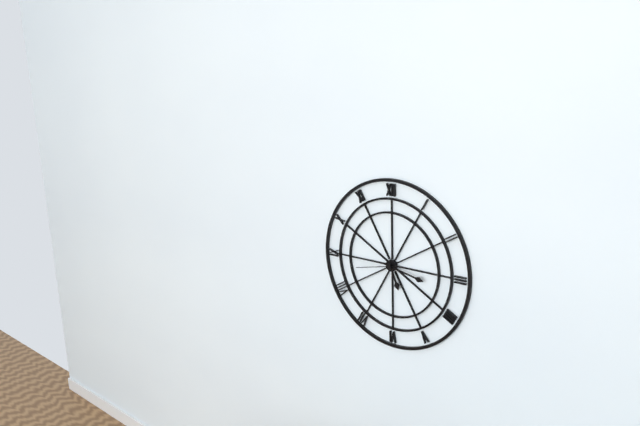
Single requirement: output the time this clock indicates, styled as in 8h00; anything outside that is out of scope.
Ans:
5h17
